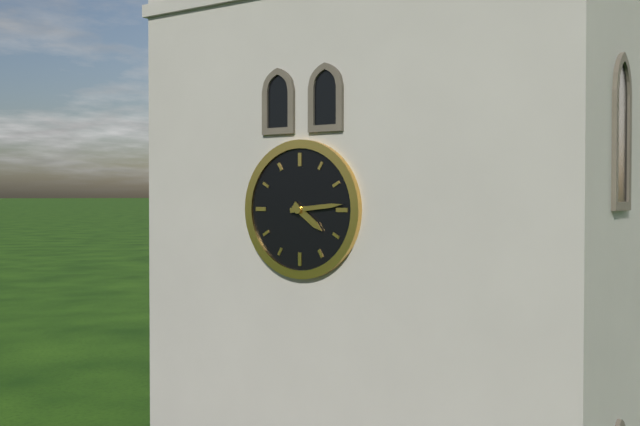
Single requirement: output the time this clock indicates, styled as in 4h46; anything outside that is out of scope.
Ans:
4h14
